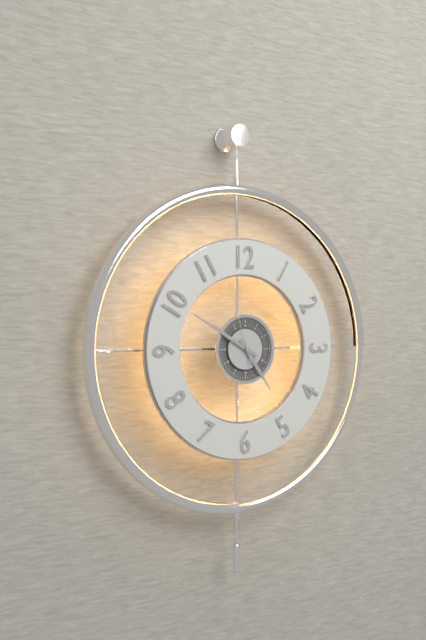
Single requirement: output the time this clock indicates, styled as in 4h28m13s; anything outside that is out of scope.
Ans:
4h50m57s
